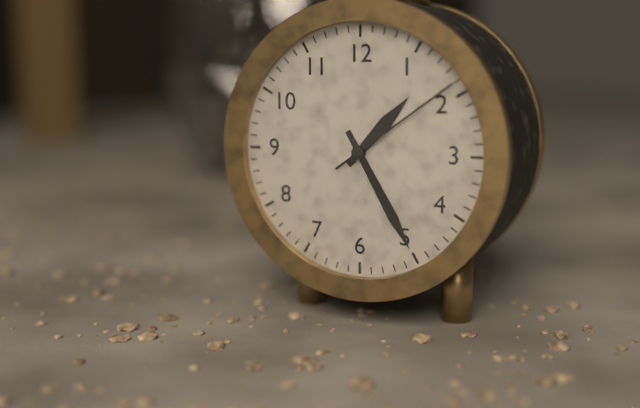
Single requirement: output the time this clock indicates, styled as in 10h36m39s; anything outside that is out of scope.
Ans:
1h25m09s
